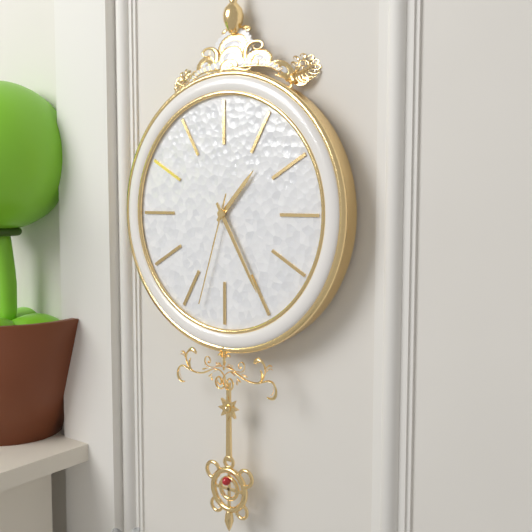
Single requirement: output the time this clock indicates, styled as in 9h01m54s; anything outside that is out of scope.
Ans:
1h25m33s
